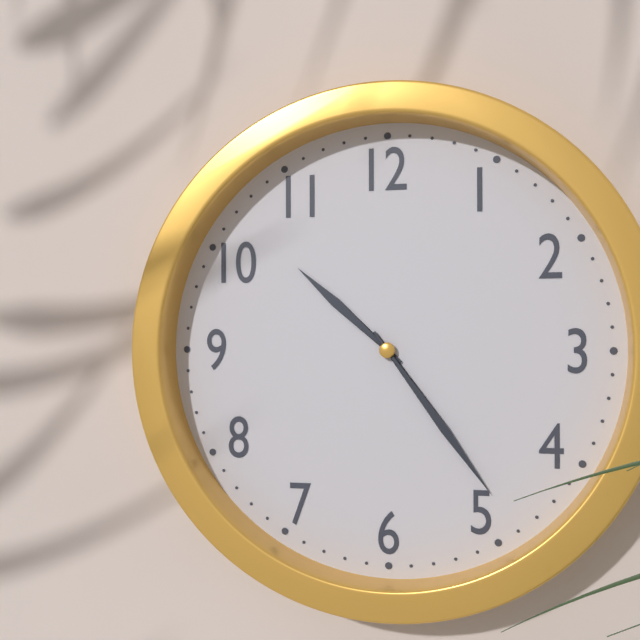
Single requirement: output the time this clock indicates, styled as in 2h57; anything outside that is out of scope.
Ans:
10h24
